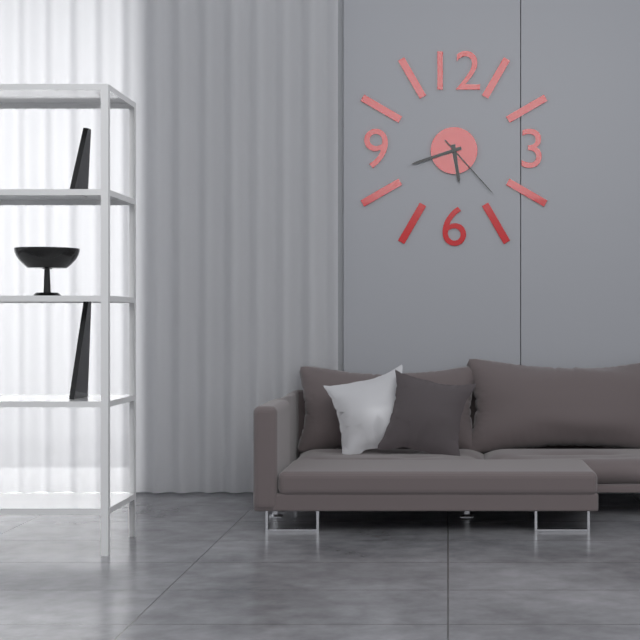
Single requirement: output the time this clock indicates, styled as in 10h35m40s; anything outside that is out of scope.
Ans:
5h42m23s
